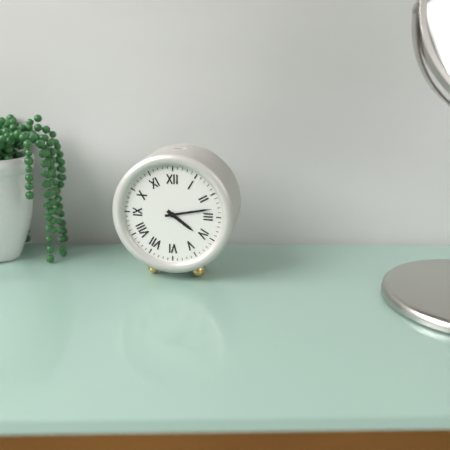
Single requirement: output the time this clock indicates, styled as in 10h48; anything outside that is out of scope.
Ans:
4h13
